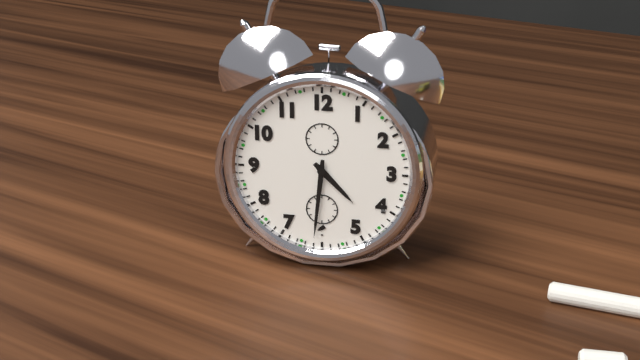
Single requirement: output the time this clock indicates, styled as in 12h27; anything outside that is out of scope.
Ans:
4h31
